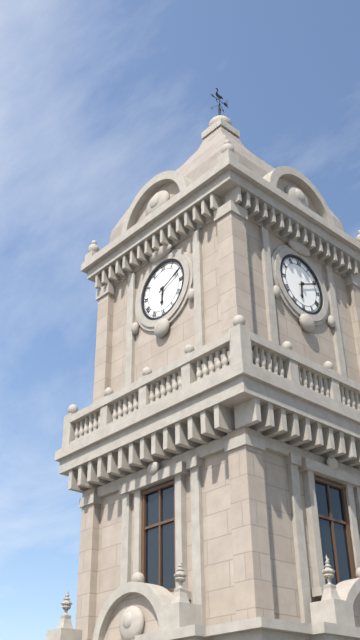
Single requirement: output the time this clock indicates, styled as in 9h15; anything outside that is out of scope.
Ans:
6h11
